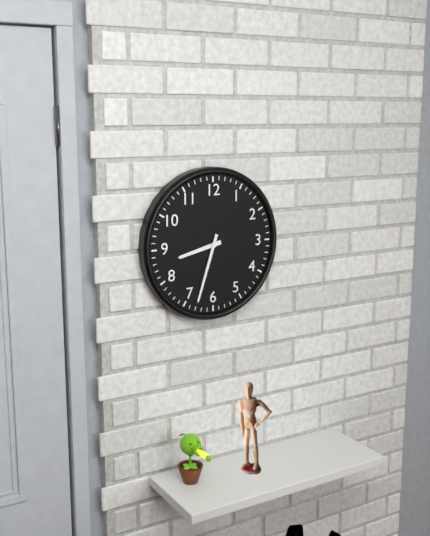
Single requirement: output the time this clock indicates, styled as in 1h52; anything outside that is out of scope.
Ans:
8h33
